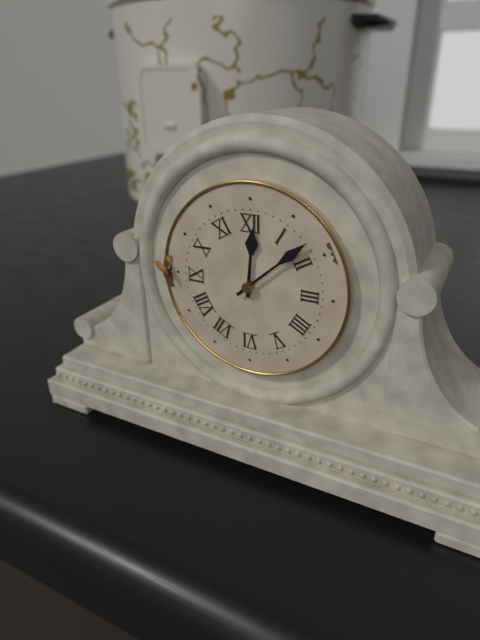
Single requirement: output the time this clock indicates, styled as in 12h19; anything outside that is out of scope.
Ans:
12h08
